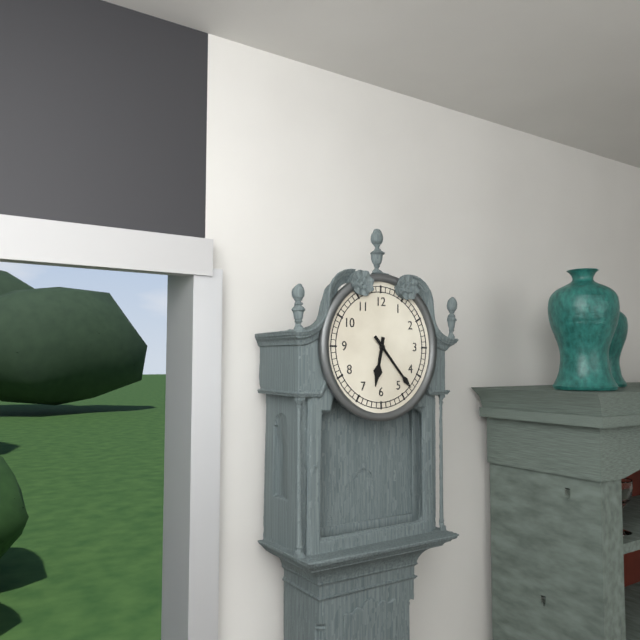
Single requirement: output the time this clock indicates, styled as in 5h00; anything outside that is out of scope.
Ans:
6h23
